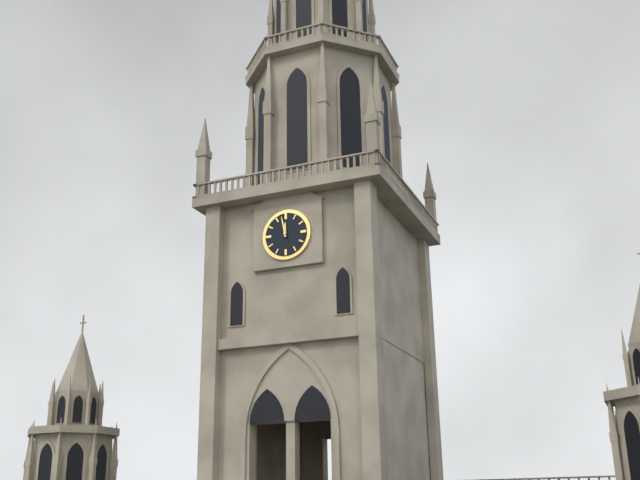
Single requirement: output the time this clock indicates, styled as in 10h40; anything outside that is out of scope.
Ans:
11h58
